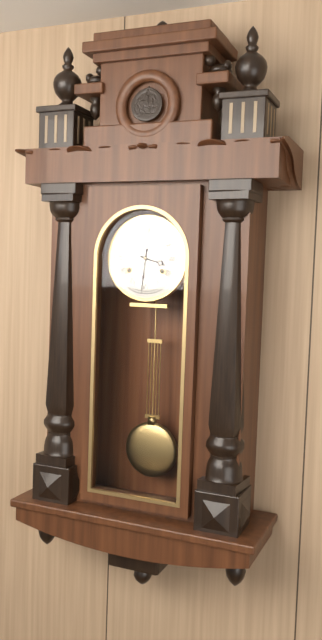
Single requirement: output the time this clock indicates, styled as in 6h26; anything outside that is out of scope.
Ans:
3h31
